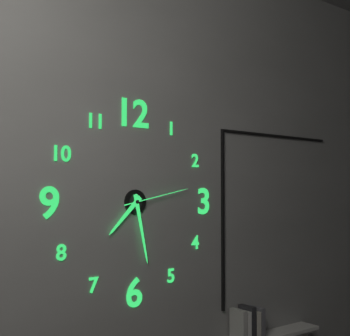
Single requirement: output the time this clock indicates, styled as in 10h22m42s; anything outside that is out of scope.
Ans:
7h28m13s
